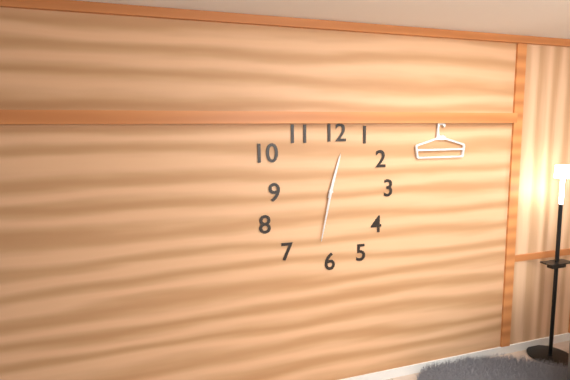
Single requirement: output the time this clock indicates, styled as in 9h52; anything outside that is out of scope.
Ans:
12h32
